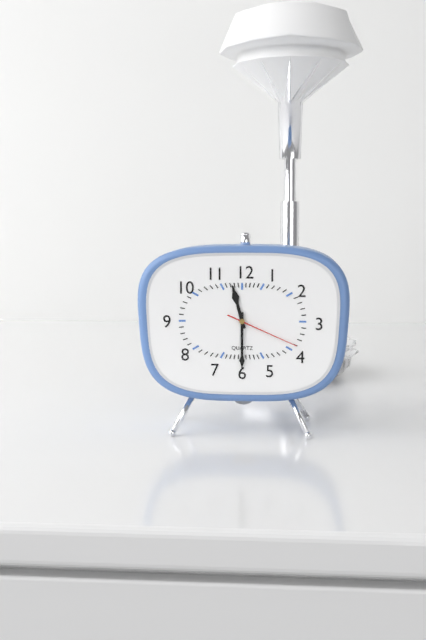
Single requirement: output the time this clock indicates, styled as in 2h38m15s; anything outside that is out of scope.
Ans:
11h30m19s
